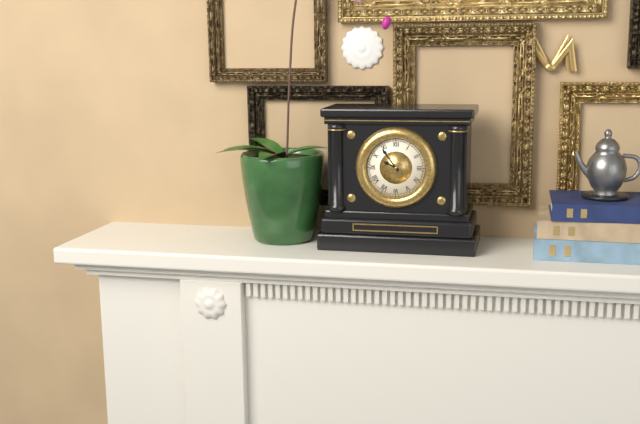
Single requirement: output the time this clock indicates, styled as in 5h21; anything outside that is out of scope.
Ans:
9h54
